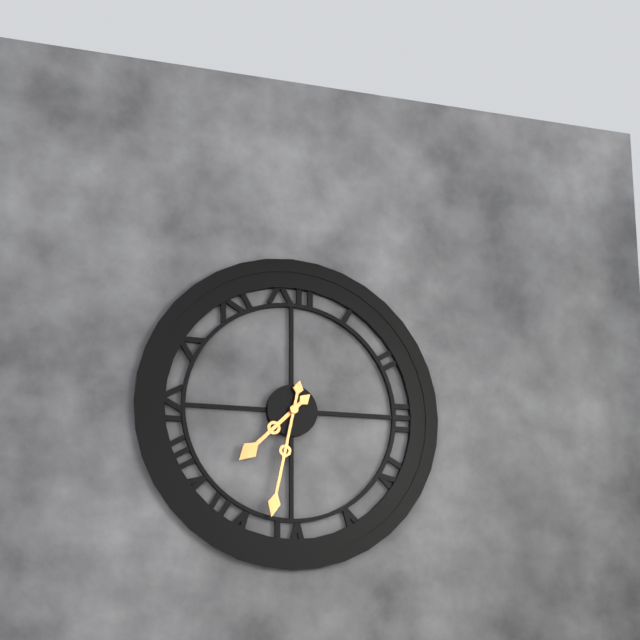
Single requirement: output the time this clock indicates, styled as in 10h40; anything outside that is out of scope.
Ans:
7h32
